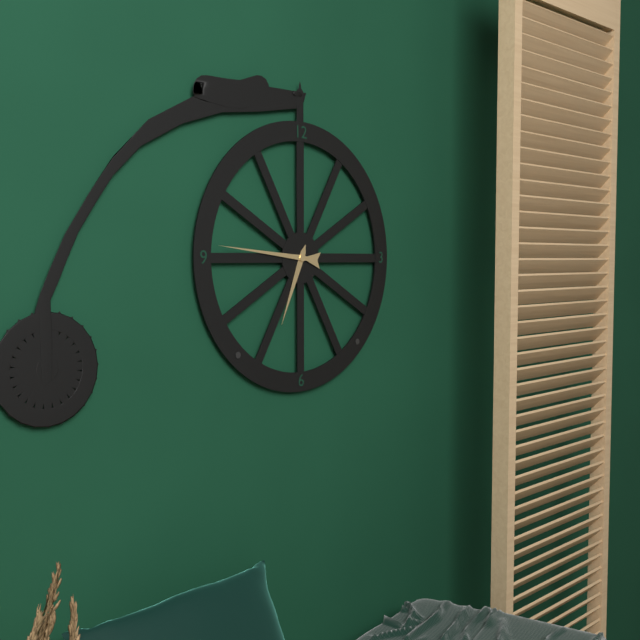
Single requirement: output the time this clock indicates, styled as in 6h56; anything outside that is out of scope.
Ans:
6h46
